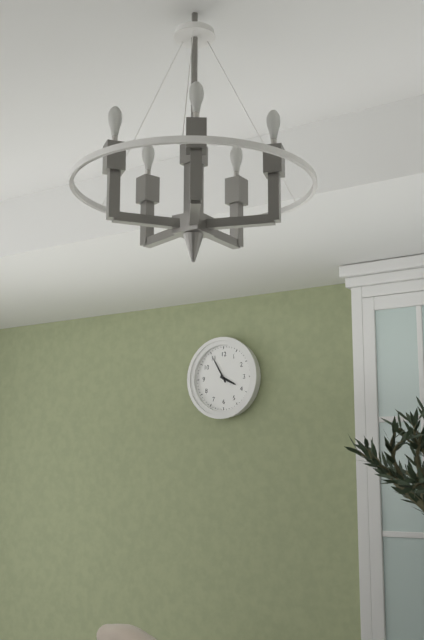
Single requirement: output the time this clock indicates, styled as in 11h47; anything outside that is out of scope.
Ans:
3h55
